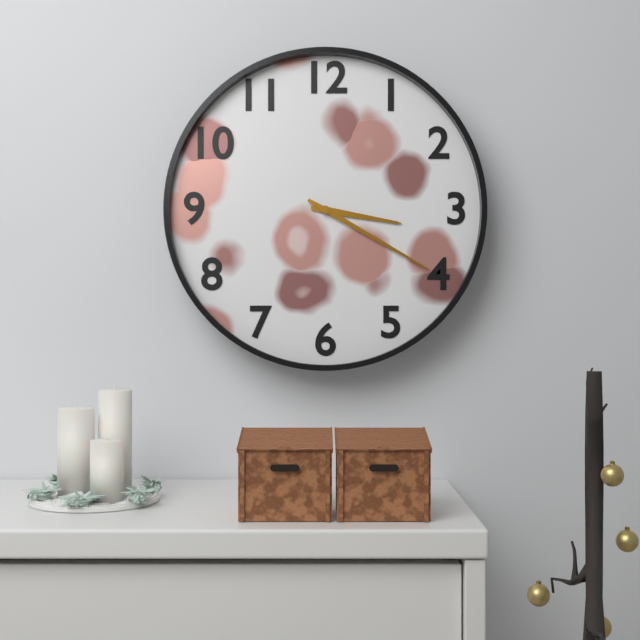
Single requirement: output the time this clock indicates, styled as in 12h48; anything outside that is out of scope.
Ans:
3h20
